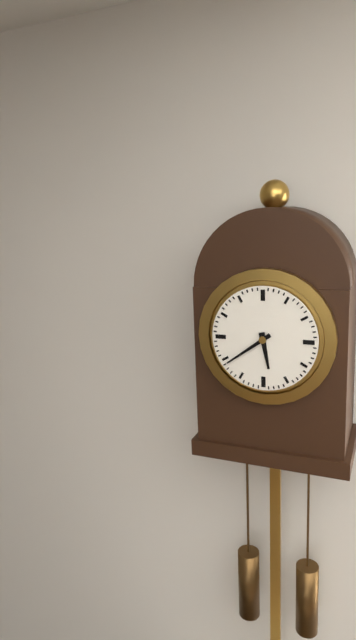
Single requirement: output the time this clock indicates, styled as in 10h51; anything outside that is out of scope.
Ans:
5h39
